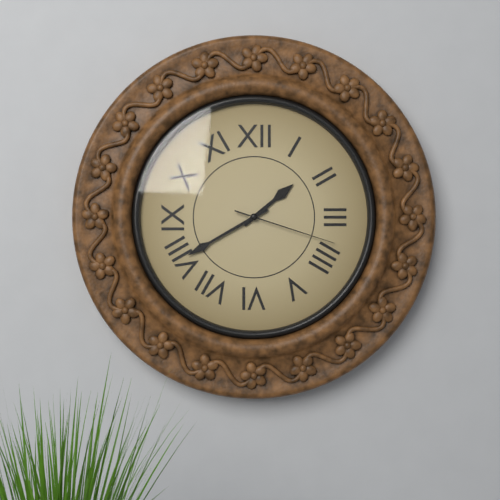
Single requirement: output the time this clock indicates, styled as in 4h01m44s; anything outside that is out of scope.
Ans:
1h40m18s
